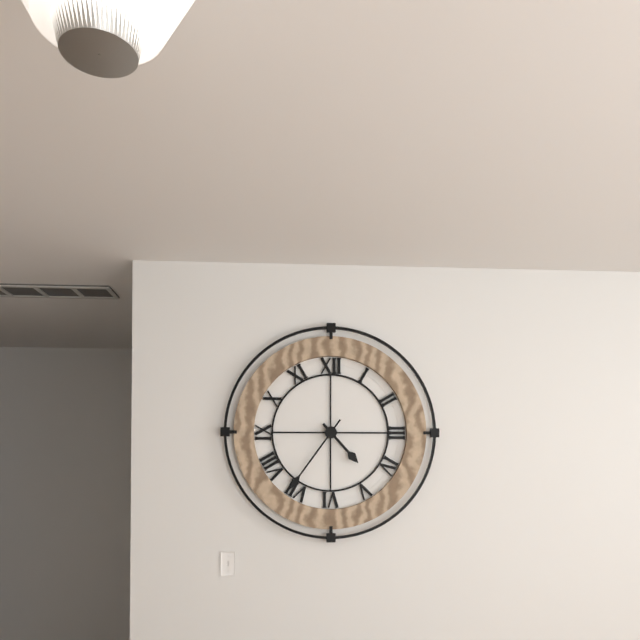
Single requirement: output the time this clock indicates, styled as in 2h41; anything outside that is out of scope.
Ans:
4h36
